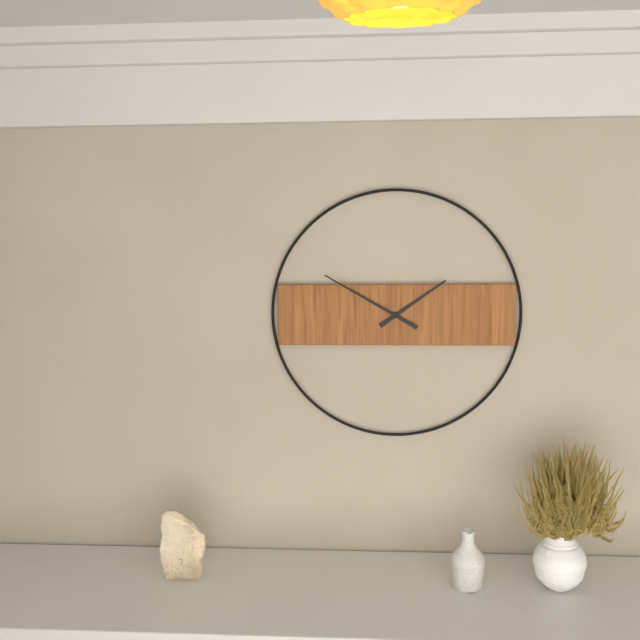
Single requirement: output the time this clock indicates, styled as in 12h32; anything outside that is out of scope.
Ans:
1h50
